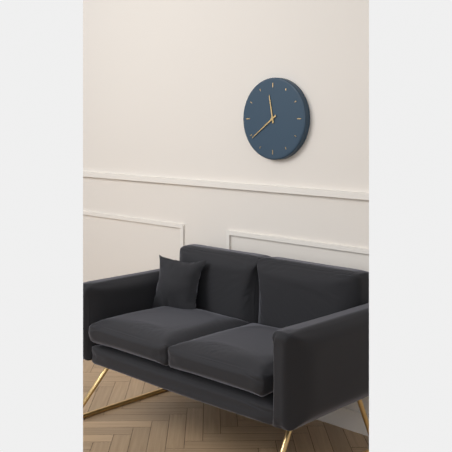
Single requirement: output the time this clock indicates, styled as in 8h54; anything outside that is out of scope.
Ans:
11h39
